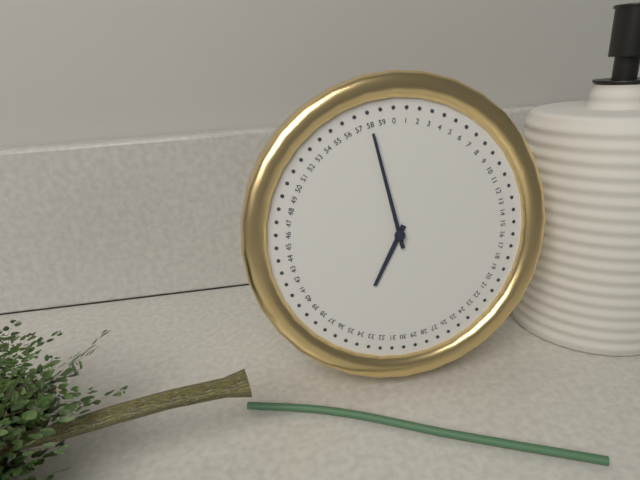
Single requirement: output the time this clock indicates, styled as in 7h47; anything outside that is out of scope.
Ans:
6h58
